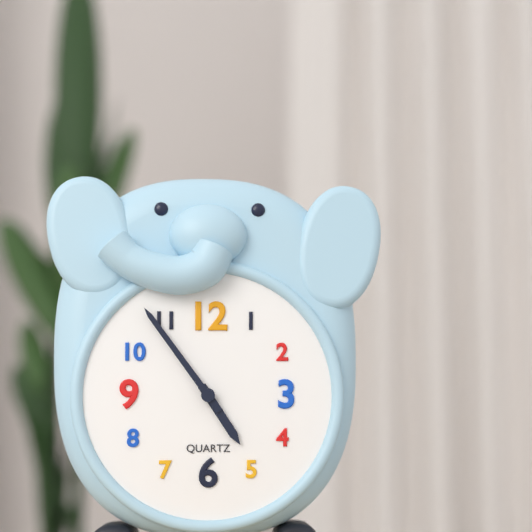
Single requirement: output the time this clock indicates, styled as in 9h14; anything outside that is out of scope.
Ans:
4h54
